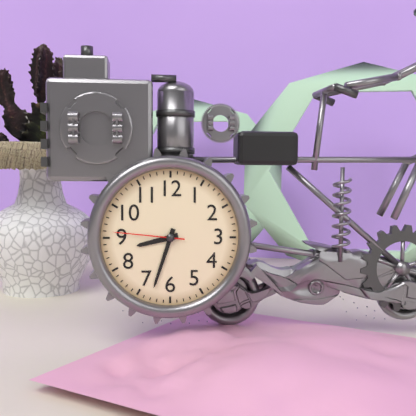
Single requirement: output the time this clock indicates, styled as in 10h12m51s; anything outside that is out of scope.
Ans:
8h33m46s
